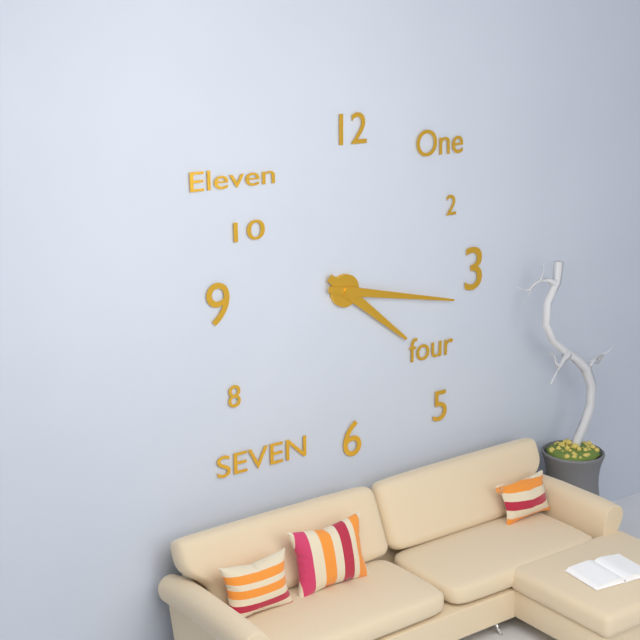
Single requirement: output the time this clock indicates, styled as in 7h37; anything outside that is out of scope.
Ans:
4h17
